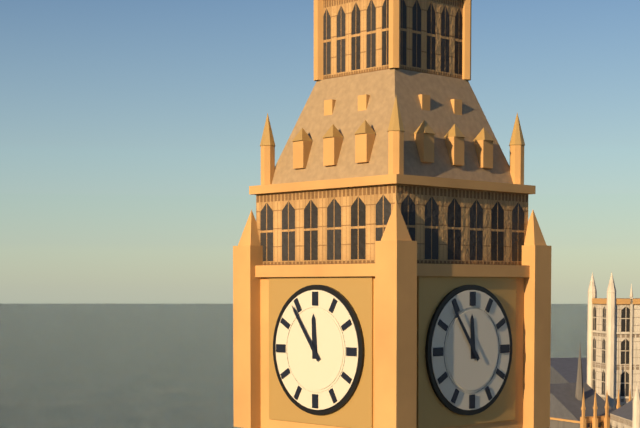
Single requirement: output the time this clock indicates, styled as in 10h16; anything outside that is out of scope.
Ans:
11h54
